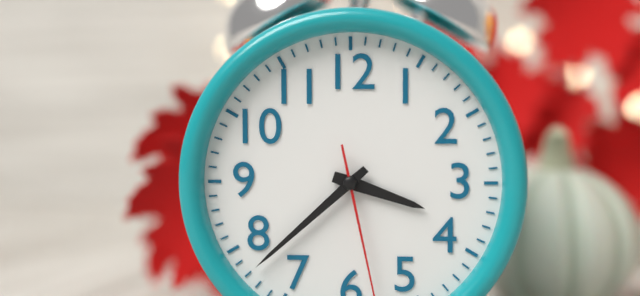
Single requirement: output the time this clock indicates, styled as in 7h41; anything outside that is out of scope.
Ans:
3h38
